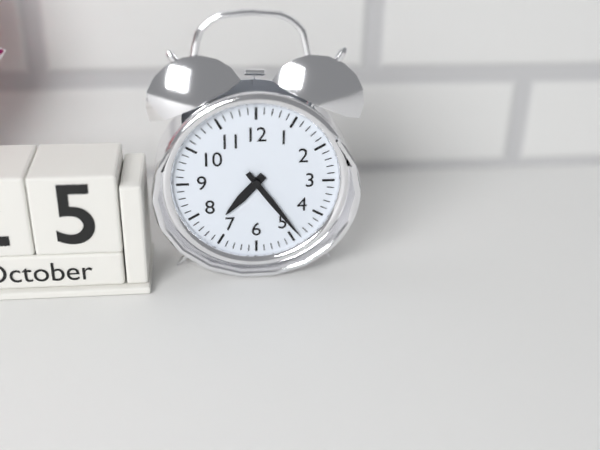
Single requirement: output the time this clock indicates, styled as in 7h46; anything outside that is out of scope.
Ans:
7h24
